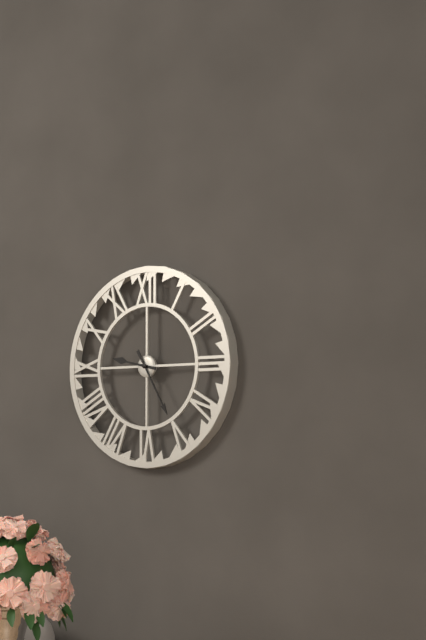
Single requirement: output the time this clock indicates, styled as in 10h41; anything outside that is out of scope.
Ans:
9h25
